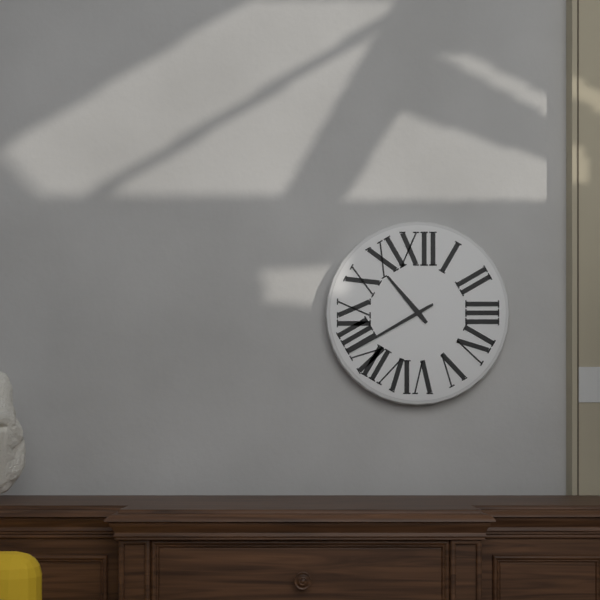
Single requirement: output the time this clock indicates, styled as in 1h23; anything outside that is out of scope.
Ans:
10h40
